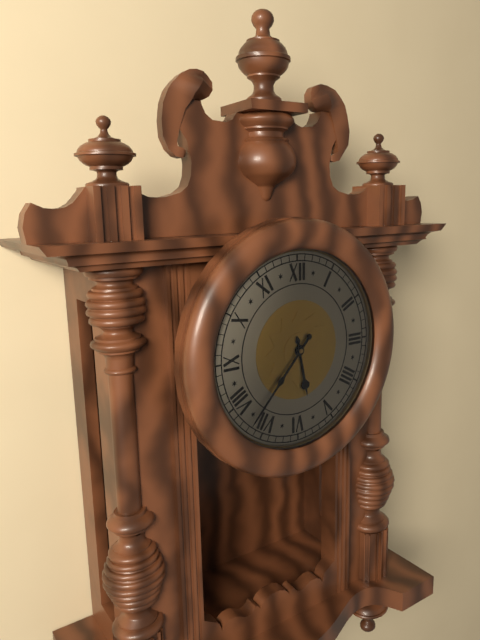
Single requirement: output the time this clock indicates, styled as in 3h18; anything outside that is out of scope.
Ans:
5h37
